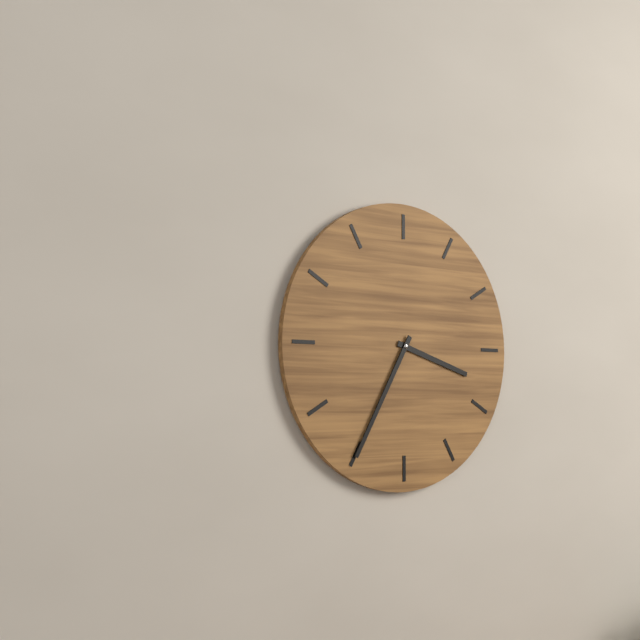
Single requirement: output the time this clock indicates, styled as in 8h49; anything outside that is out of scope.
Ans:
3h35
